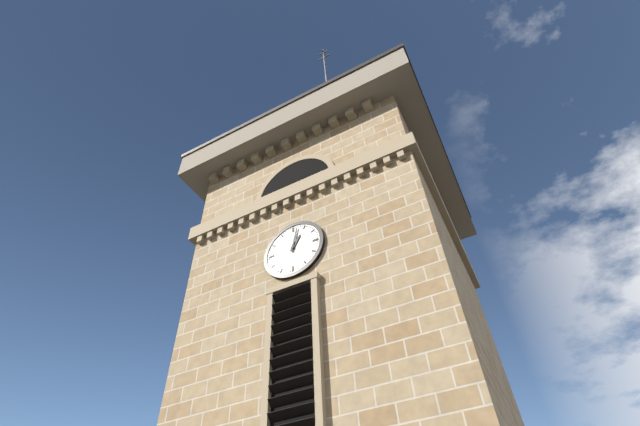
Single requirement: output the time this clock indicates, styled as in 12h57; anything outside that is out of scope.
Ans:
1h02
